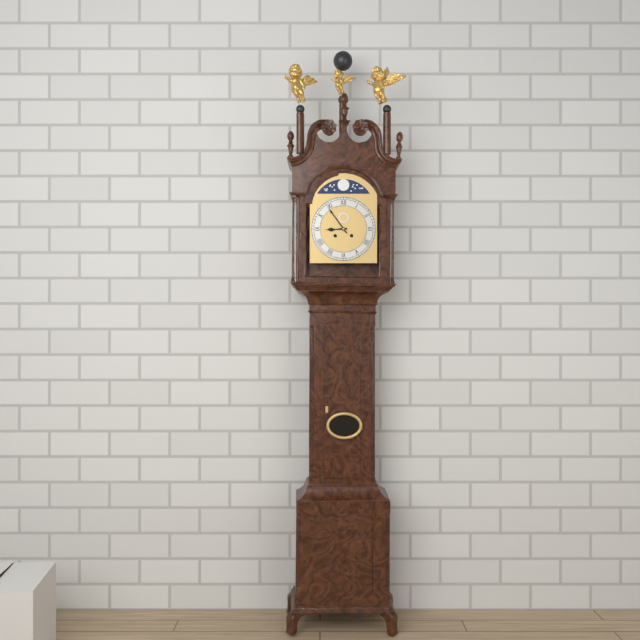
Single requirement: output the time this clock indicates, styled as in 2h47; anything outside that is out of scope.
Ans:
8h54
